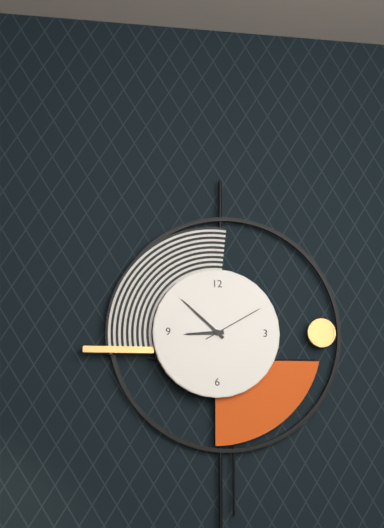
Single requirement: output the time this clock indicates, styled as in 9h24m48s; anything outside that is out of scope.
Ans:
8h52m10s
